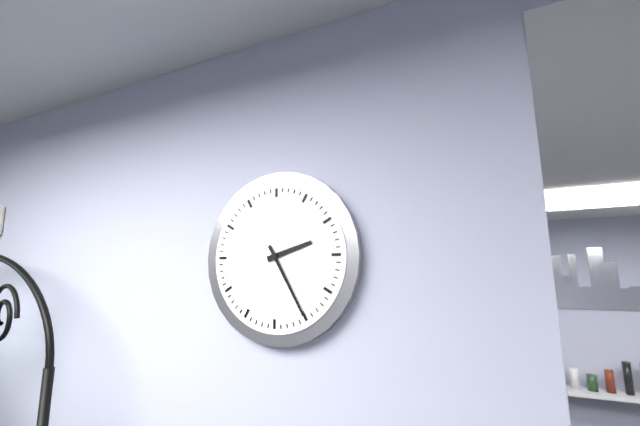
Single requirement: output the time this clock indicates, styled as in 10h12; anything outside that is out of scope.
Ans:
2h25
